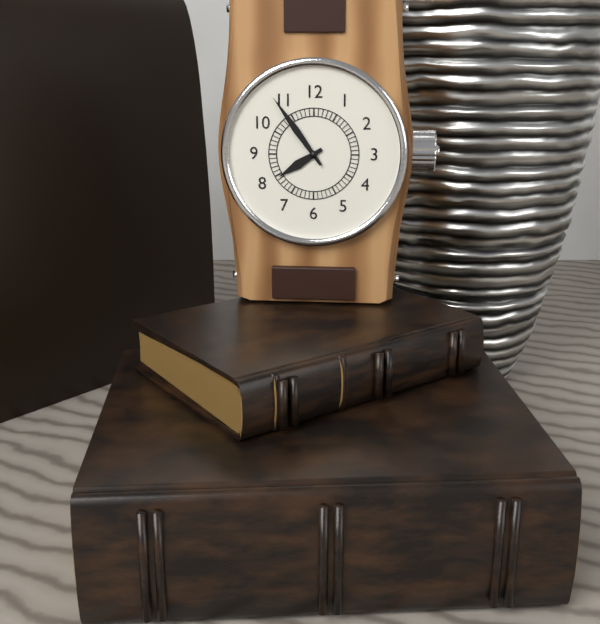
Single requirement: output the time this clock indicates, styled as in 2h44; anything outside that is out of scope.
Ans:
7h54
